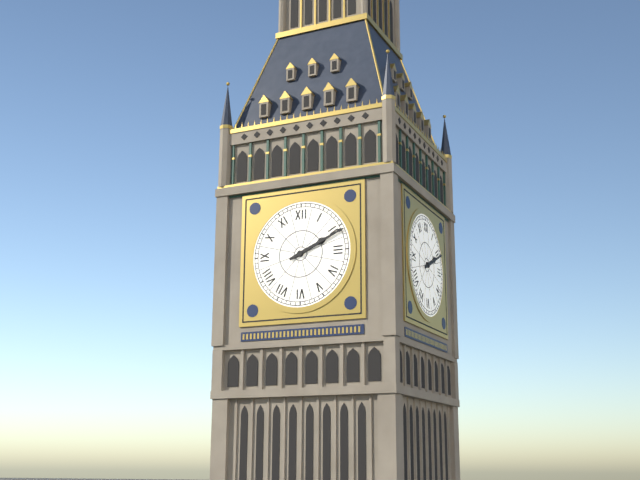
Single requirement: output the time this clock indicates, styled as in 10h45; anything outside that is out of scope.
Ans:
2h11
